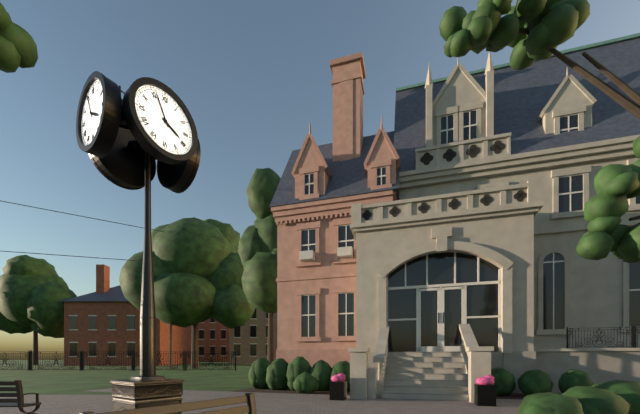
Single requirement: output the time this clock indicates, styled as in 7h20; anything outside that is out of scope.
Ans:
3h56
